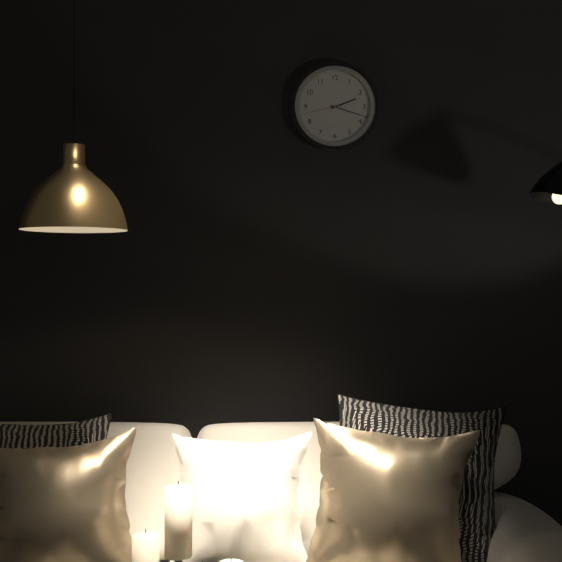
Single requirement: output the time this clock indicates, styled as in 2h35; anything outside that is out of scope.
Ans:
2h18
